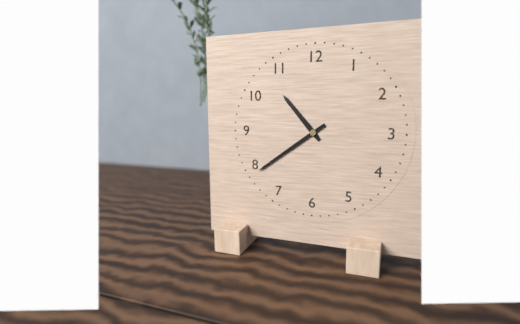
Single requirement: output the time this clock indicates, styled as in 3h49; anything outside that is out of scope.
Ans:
10h39
